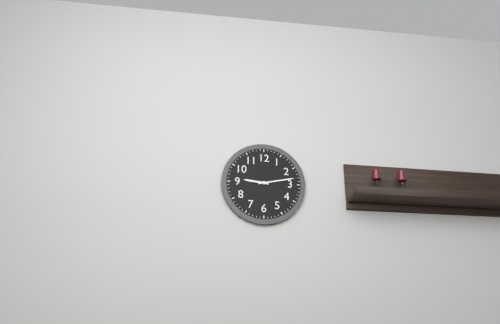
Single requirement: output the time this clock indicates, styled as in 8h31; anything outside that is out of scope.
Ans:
9h13
